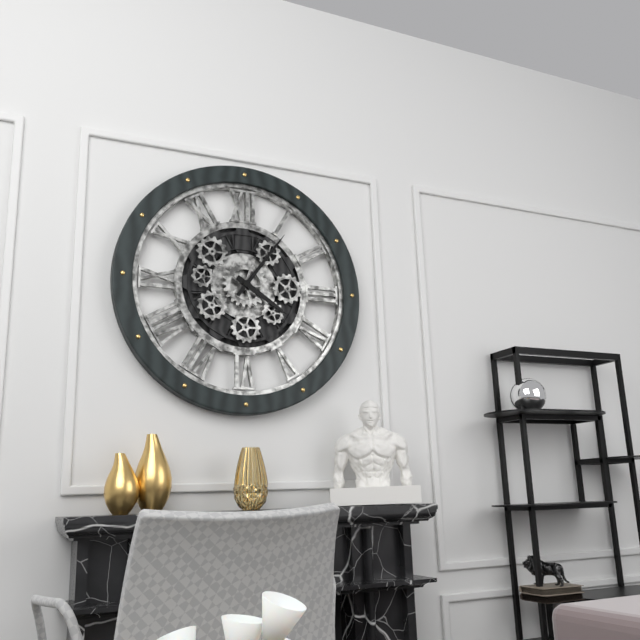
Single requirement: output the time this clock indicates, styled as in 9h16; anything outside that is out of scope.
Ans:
4h06
